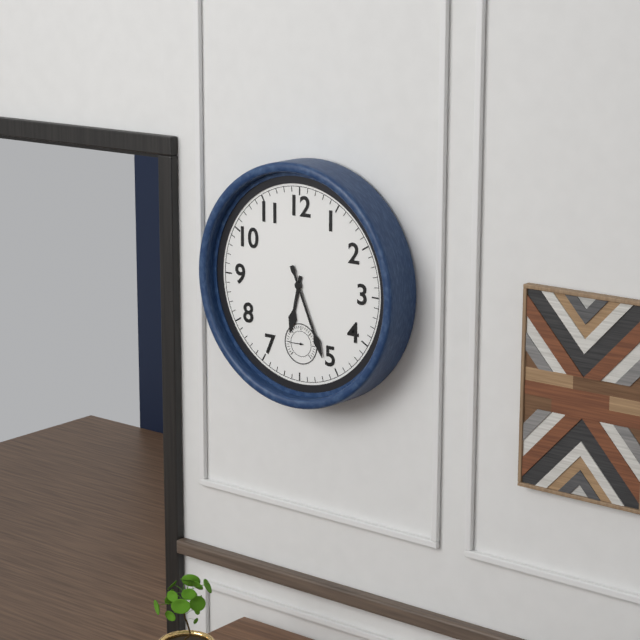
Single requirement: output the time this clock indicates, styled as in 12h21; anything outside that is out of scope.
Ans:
6h26
